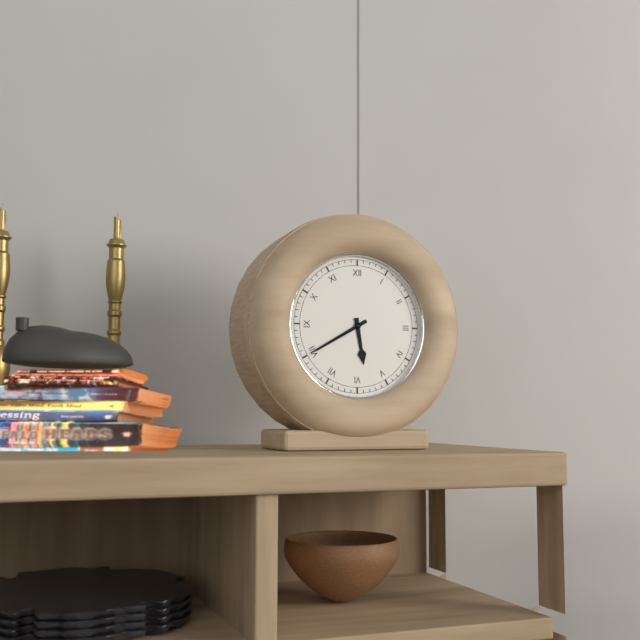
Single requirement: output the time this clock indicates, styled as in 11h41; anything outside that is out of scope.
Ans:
5h40
